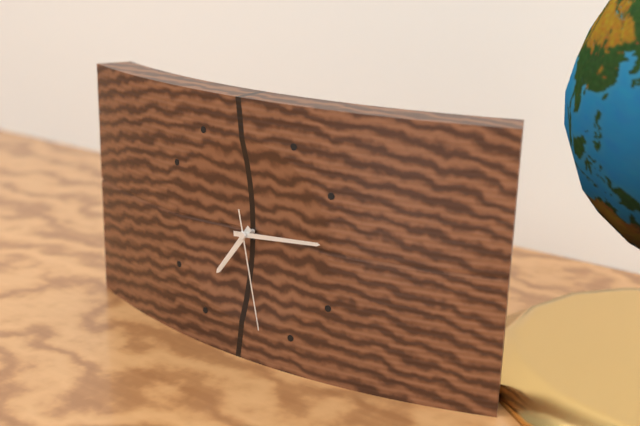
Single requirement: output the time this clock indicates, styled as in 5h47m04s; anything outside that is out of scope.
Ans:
7h14m28s
